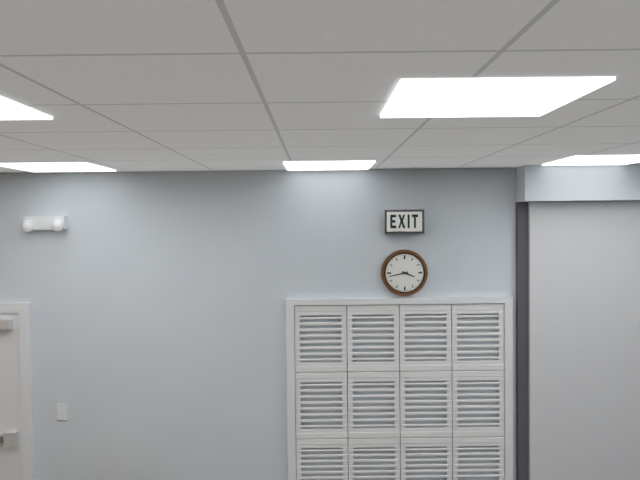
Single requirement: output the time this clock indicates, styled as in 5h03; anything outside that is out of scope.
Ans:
3h43
